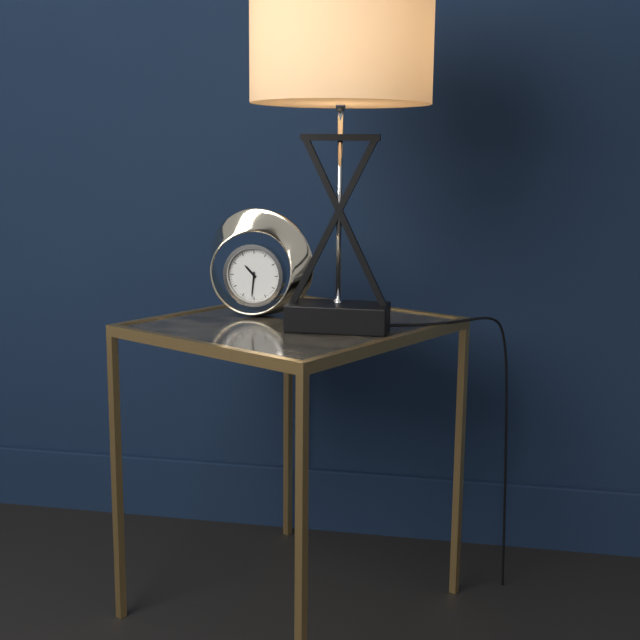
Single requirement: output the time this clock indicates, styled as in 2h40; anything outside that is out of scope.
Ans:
10h31
